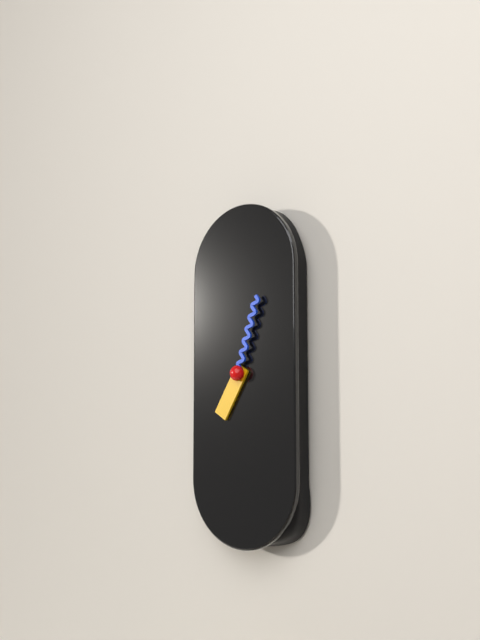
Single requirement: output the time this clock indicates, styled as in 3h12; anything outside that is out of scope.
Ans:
7h03
